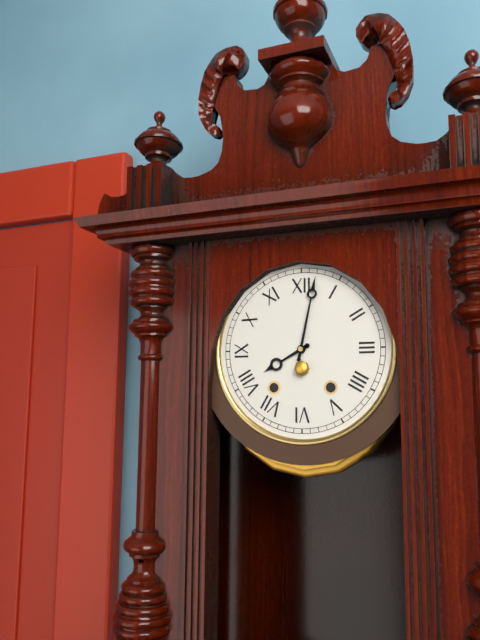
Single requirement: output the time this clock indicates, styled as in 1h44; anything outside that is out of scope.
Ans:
8h02
